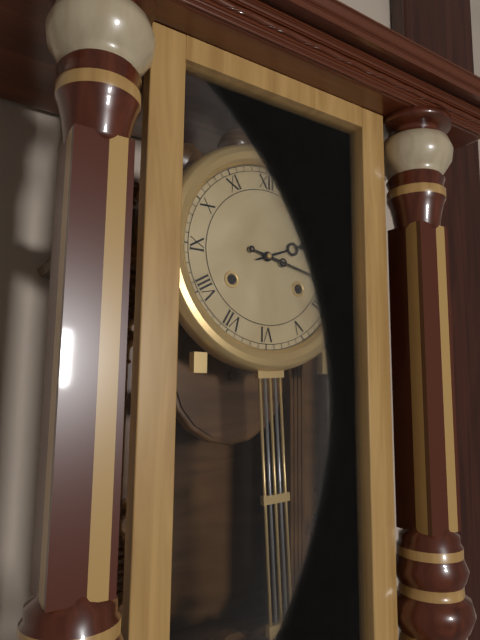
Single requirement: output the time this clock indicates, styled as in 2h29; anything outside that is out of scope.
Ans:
2h17
